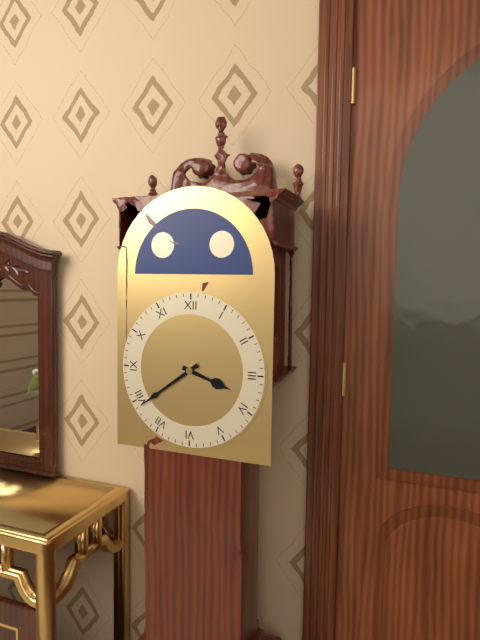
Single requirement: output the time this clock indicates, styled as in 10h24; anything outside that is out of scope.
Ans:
3h39
